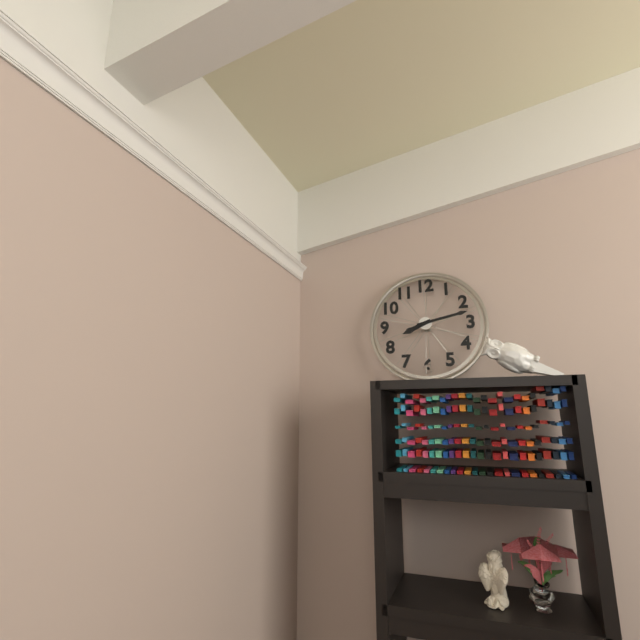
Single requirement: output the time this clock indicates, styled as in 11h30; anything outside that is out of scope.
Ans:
8h13
